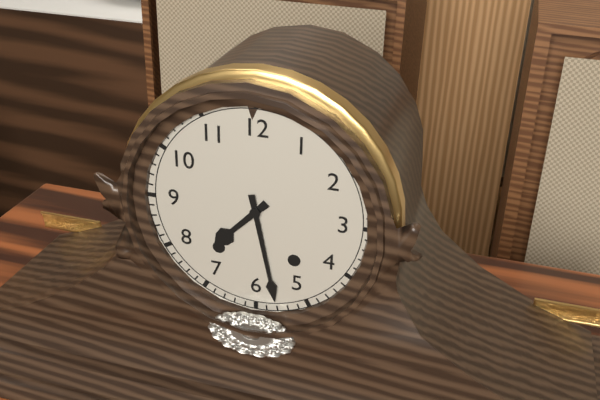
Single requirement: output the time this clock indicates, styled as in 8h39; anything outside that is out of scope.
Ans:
7h28
